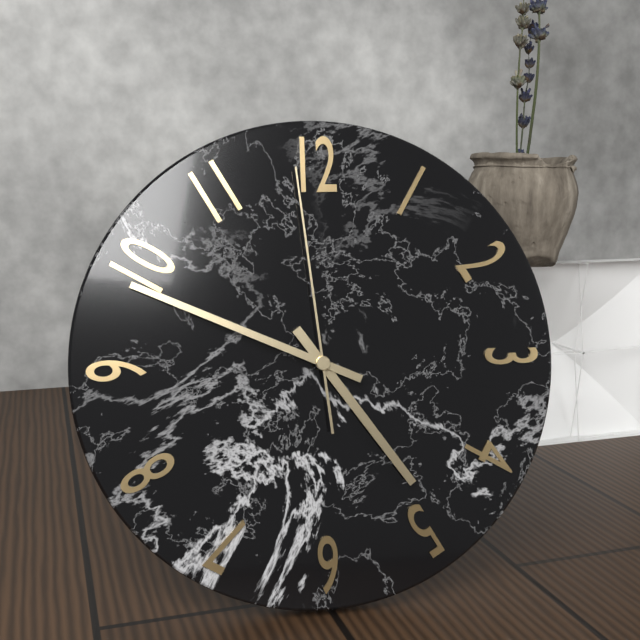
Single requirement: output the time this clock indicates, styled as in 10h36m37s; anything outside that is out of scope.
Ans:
4h49m59s
